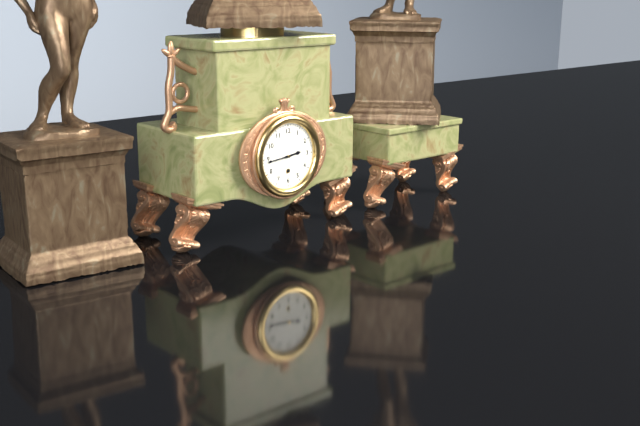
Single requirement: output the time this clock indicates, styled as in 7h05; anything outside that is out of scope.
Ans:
2h44
